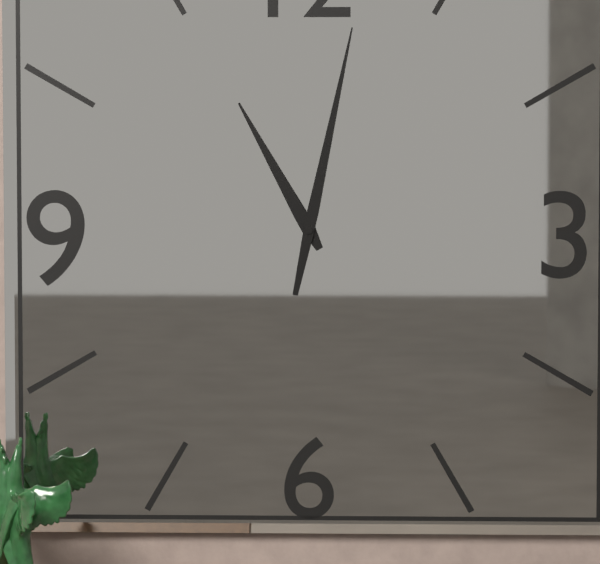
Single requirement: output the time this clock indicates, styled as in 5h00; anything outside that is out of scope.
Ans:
11h02
